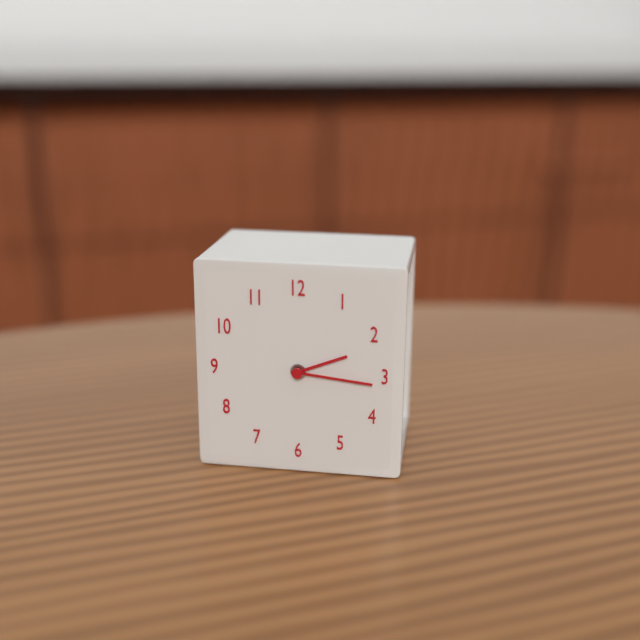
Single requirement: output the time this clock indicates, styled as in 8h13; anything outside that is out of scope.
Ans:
2h16
